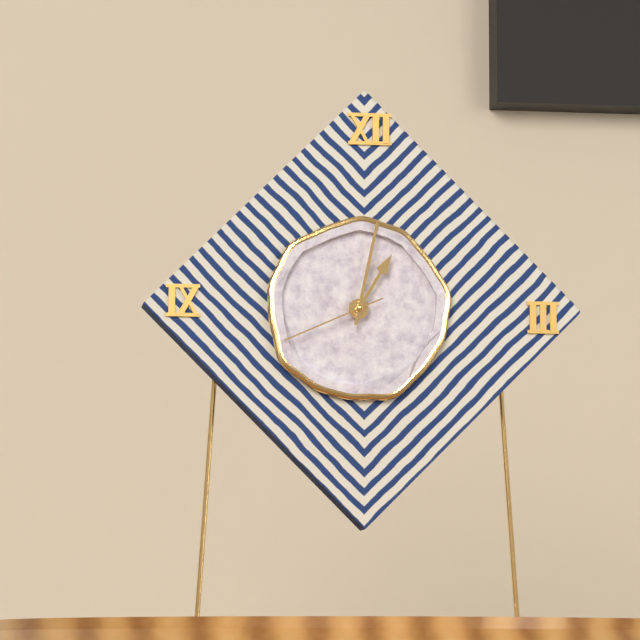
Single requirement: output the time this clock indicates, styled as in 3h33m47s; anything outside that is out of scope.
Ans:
1h02m41s
